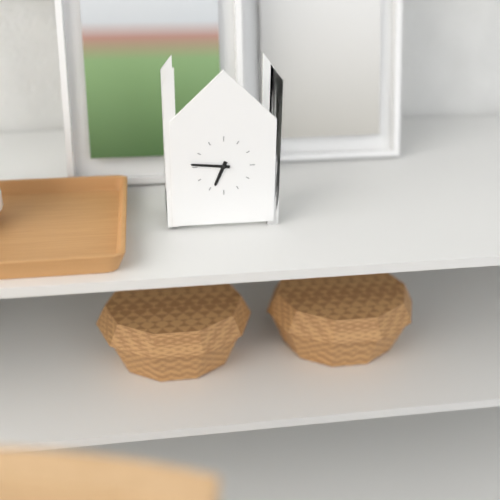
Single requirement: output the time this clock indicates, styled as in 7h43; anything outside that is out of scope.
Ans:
6h46
